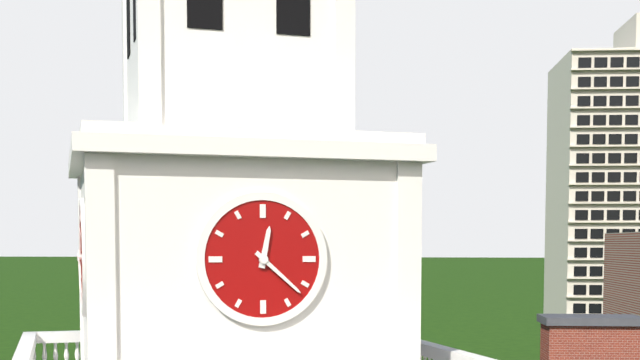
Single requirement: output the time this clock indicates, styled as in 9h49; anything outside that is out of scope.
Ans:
12h22
